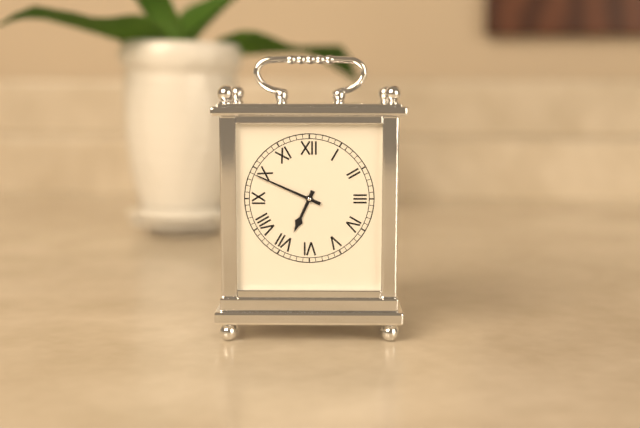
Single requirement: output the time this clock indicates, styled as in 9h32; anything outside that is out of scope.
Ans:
6h49
